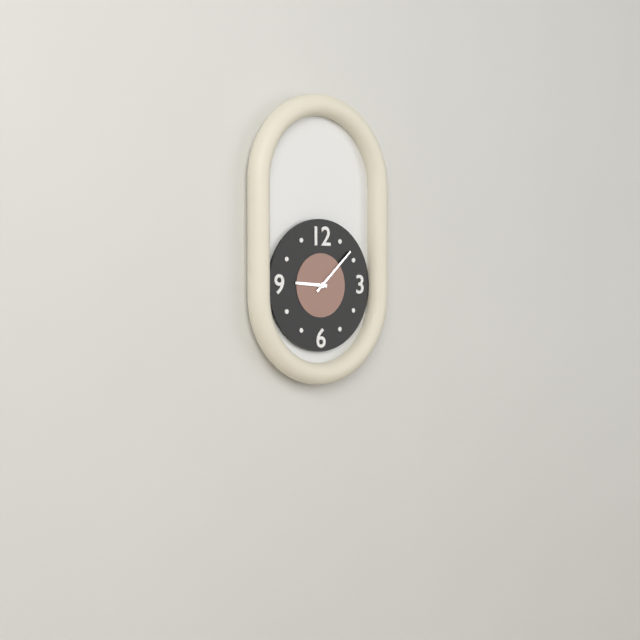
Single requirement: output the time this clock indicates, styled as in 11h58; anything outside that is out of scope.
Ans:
9h08
